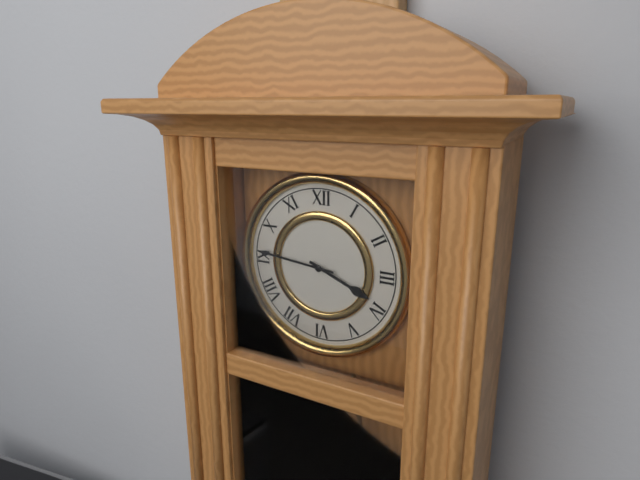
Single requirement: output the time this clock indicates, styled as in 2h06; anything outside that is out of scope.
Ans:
3h46
